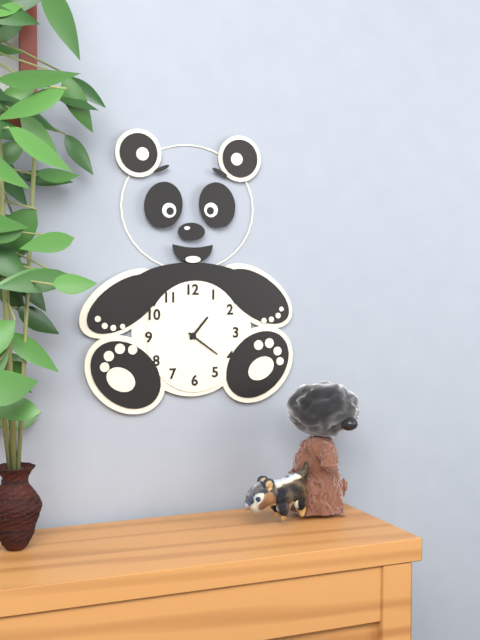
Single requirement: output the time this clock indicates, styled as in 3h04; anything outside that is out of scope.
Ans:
1h21
